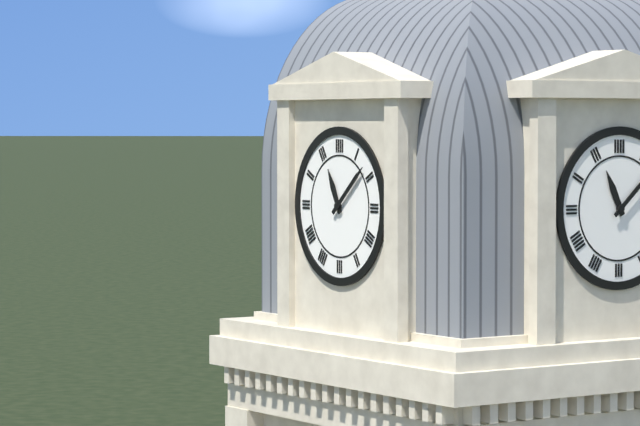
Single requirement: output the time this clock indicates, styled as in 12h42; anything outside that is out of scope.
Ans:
11h08
